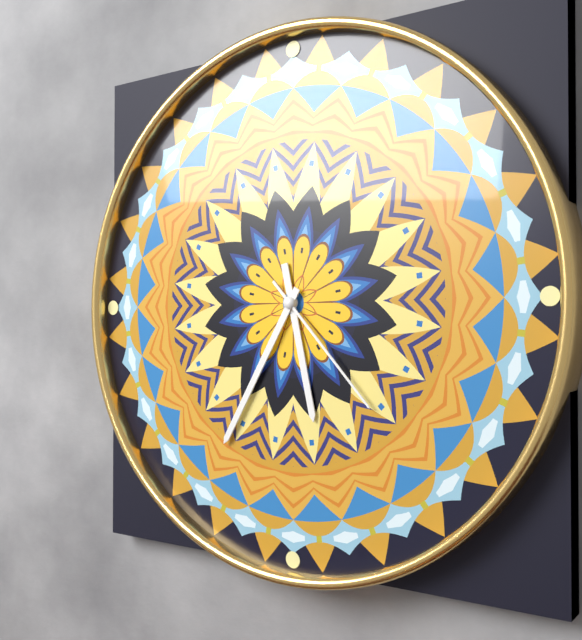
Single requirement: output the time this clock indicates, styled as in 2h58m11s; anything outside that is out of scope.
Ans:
5h35m23s
